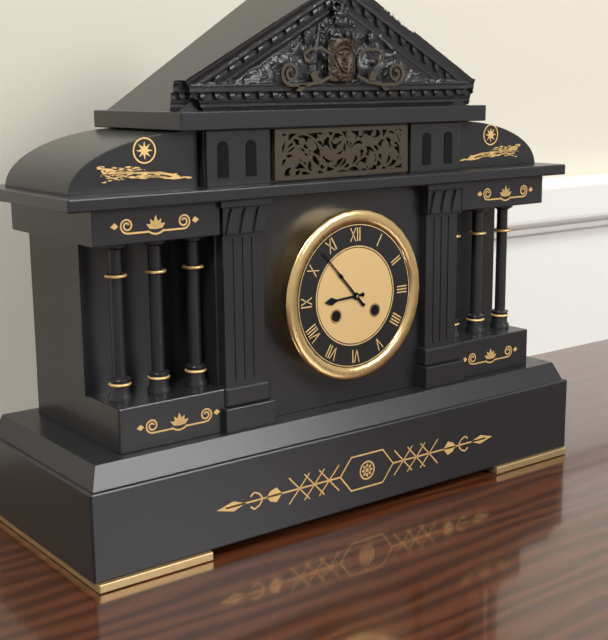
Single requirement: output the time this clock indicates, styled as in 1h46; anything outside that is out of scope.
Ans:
8h53
